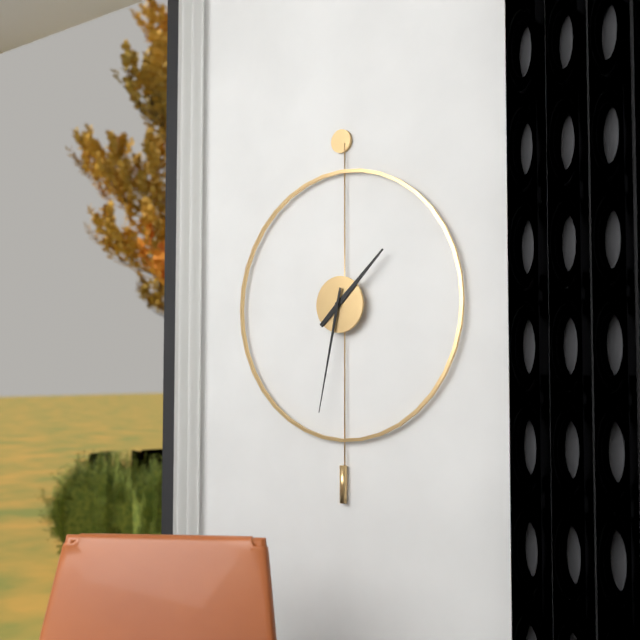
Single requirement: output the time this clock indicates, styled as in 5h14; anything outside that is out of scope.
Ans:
1h32
